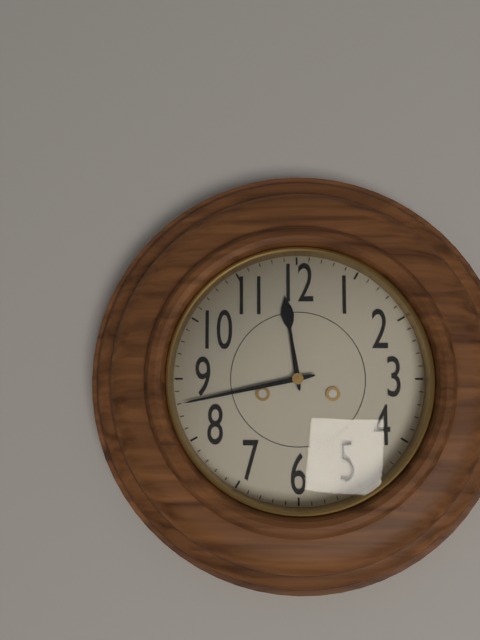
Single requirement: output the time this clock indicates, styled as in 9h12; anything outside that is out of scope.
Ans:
11h43
